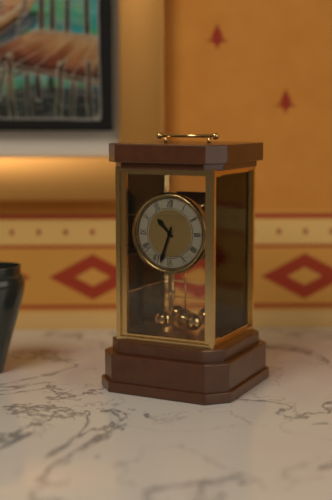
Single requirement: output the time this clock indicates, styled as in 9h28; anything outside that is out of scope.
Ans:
10h33
